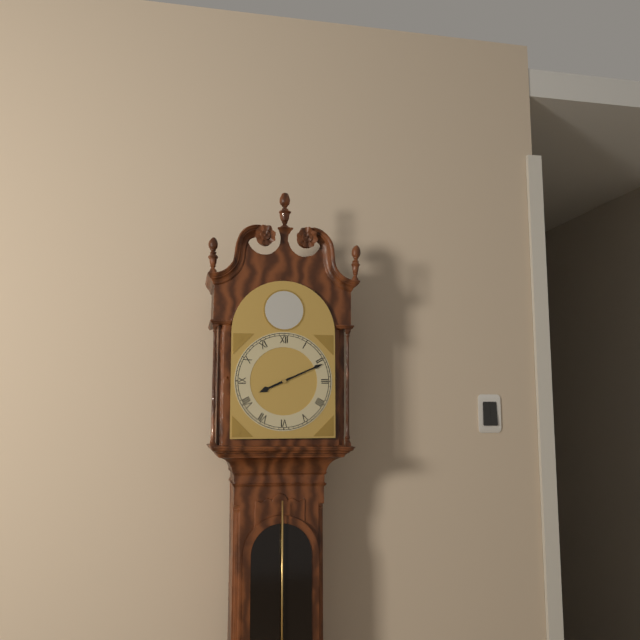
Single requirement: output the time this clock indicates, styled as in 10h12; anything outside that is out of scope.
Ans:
8h11
